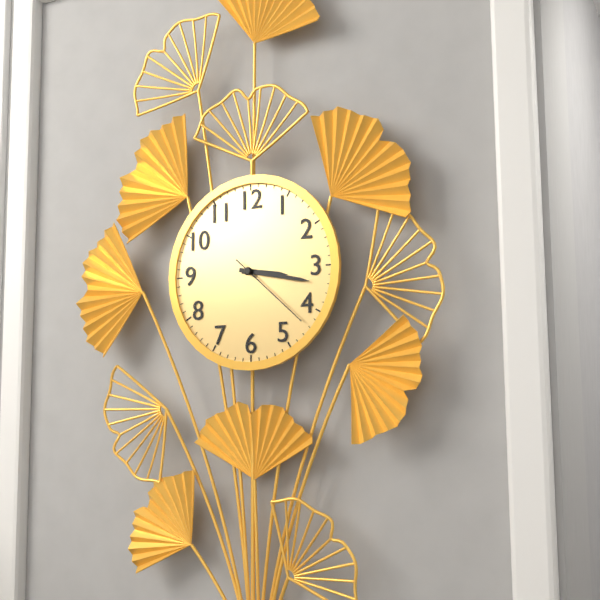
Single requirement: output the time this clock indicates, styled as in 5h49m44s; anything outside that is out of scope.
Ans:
3h17m22s
